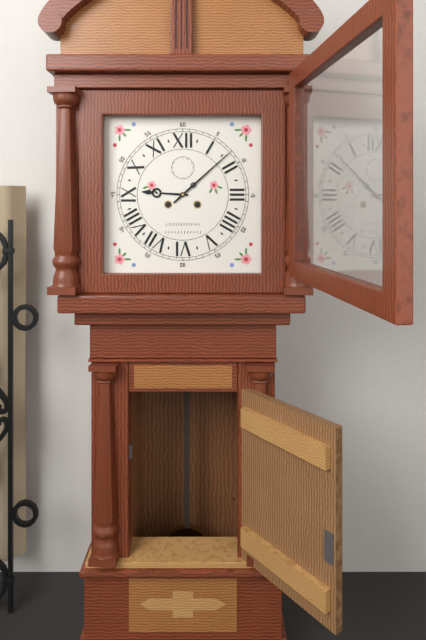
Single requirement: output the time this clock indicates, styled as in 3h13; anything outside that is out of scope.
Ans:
9h08
